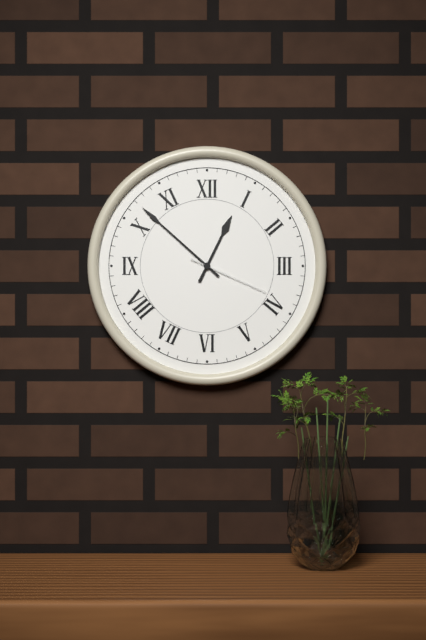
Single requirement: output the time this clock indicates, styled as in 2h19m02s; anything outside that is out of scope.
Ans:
12h52m19s
